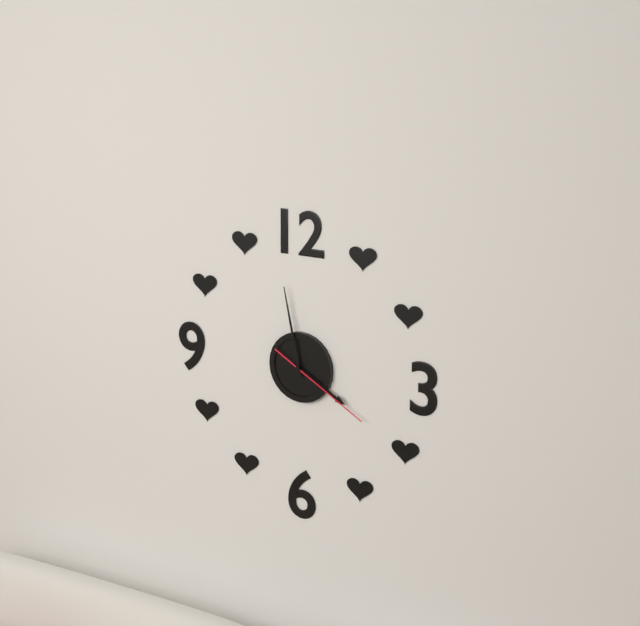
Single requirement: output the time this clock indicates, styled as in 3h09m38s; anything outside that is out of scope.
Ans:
3h58m20s
